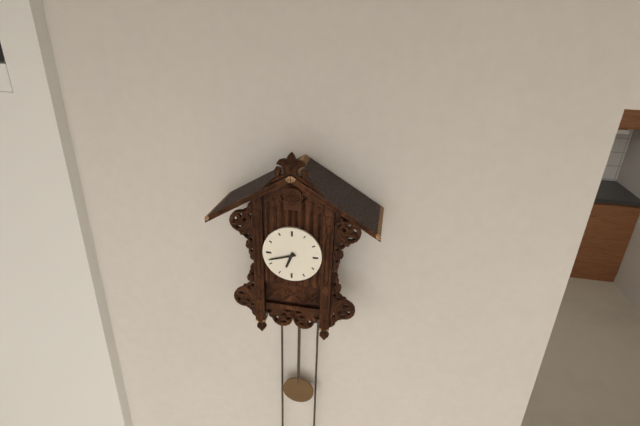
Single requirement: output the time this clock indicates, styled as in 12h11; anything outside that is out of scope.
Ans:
6h42
